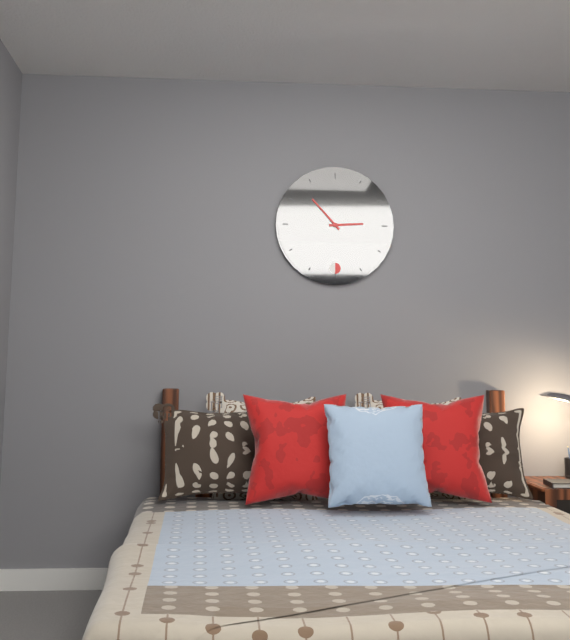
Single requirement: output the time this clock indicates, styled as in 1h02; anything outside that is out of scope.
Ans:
2h53
